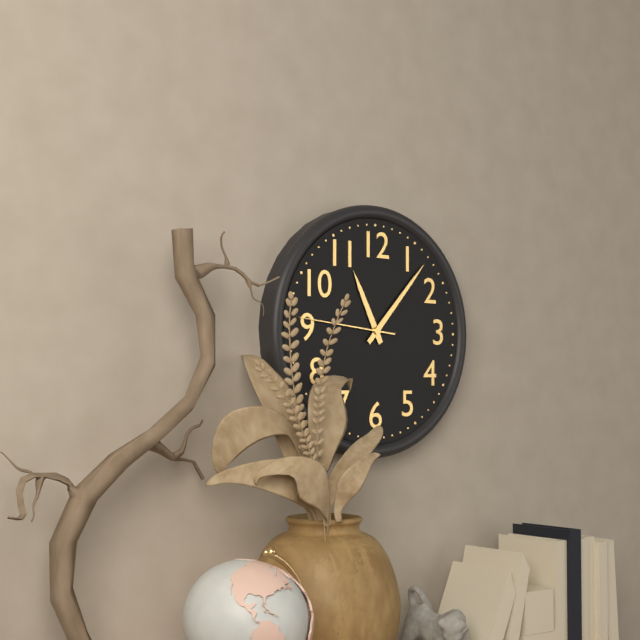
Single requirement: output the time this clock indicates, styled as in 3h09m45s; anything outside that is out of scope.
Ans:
11h07m46s
